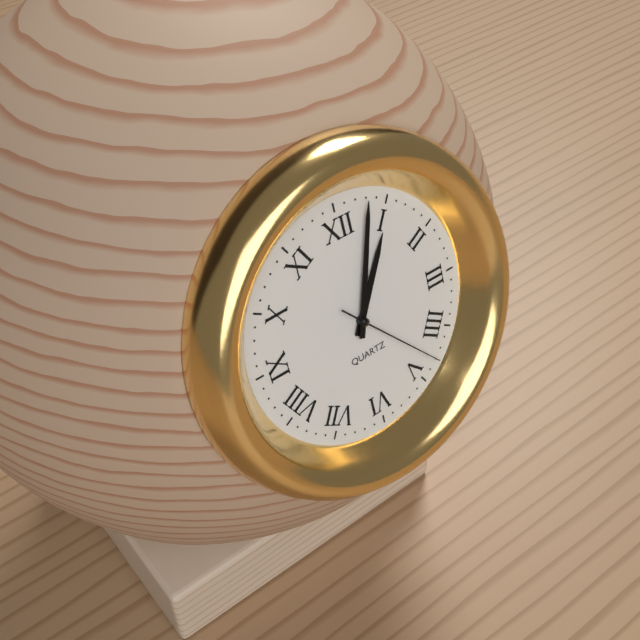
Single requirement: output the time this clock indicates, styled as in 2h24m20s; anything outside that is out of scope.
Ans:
1h03m23s
